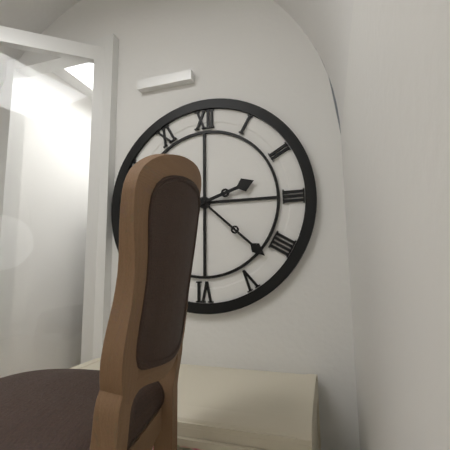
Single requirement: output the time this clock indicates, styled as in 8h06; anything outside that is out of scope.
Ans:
2h22
